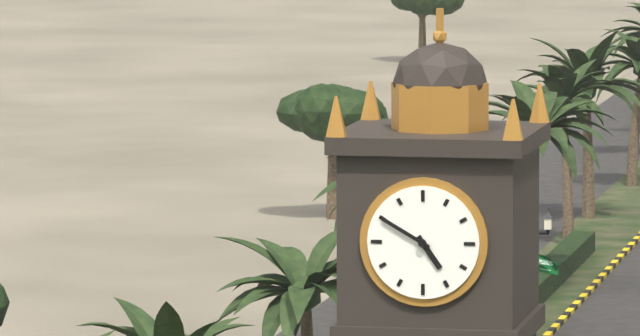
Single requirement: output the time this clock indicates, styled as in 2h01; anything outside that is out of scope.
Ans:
4h50
